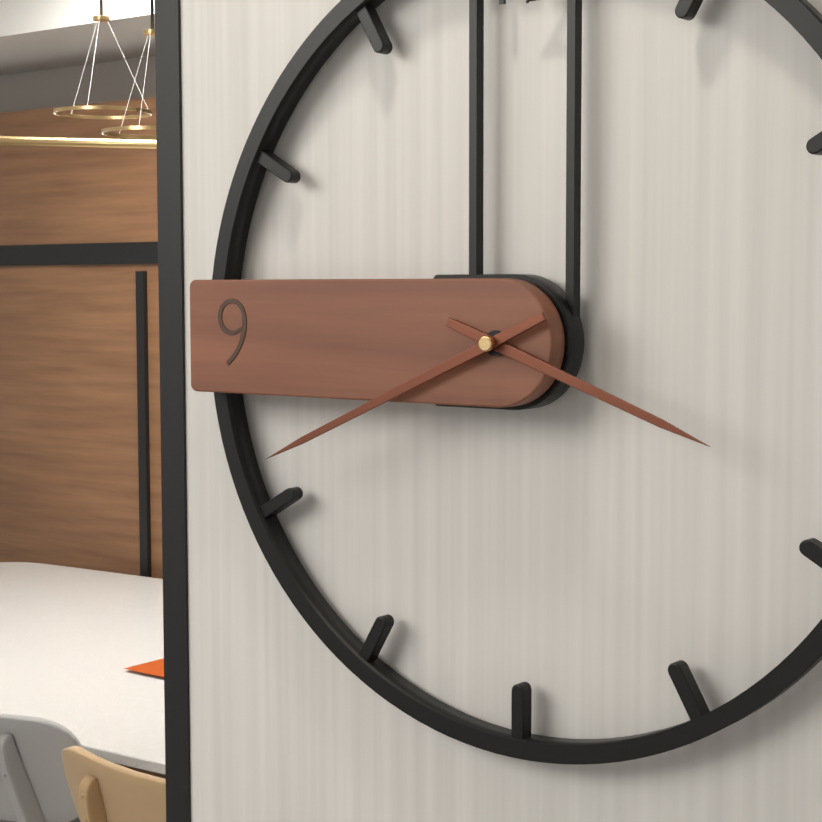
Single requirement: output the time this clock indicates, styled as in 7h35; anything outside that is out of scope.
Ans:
3h41
